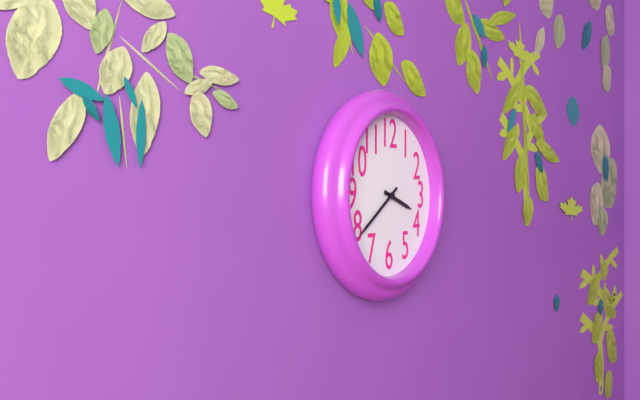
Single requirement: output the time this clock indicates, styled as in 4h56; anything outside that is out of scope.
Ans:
3h39
